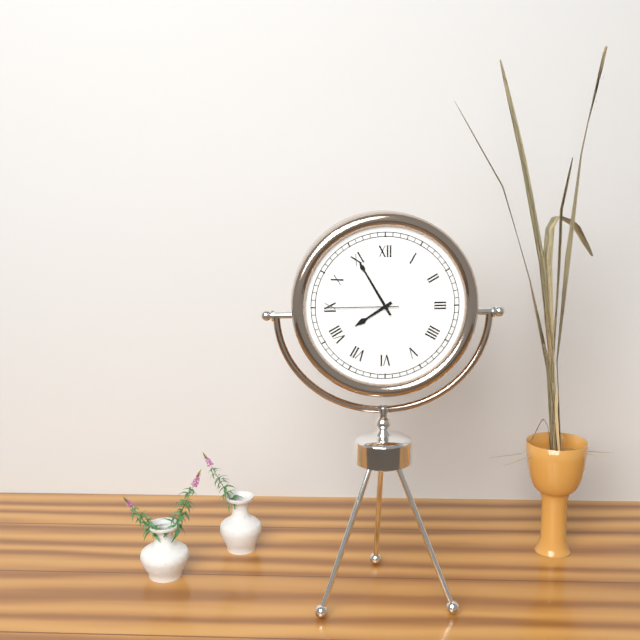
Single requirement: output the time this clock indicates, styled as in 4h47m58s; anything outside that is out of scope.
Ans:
7h55m45s
